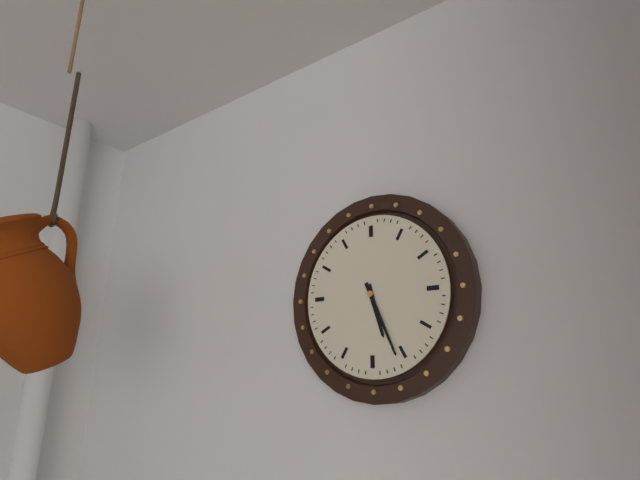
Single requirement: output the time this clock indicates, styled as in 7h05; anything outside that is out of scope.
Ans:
5h26
